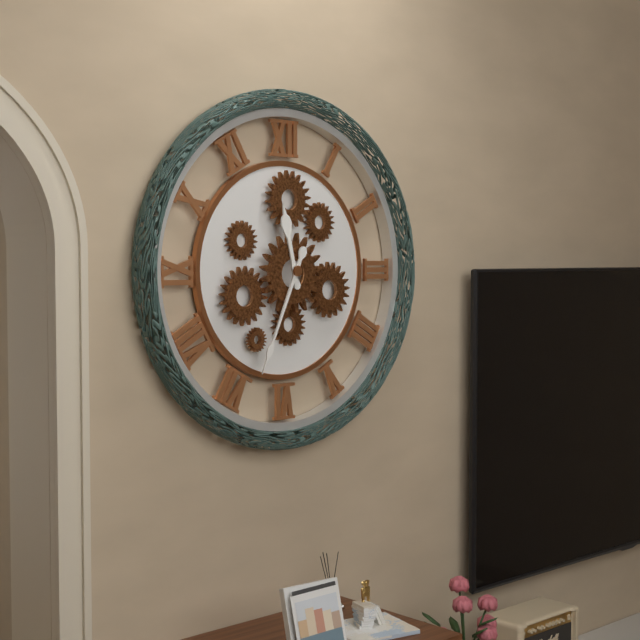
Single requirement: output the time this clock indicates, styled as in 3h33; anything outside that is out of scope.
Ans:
11h34
